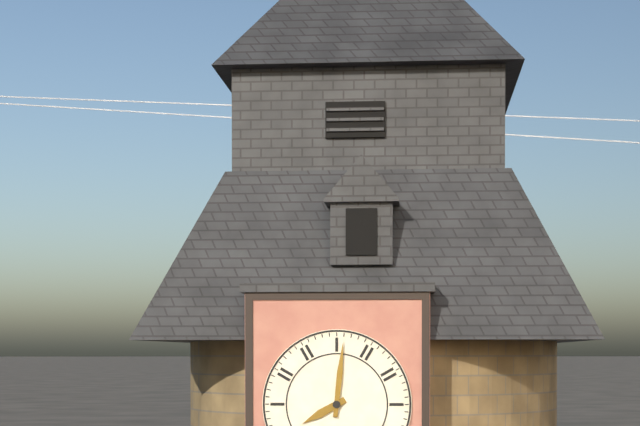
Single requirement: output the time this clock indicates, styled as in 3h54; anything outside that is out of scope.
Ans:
8h01
